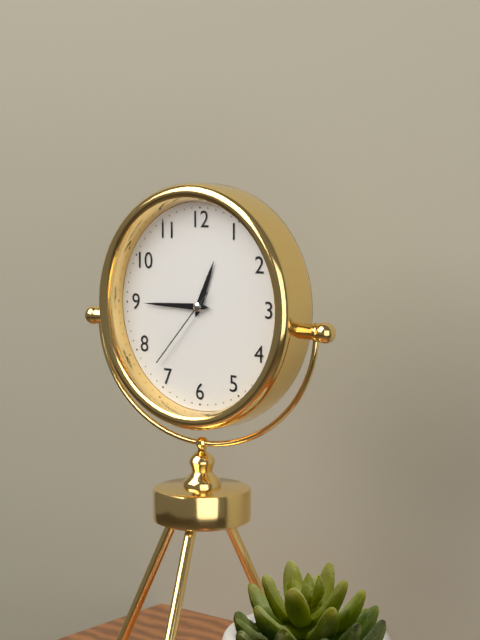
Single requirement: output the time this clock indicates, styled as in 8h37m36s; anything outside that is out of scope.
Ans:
12h45m37s
